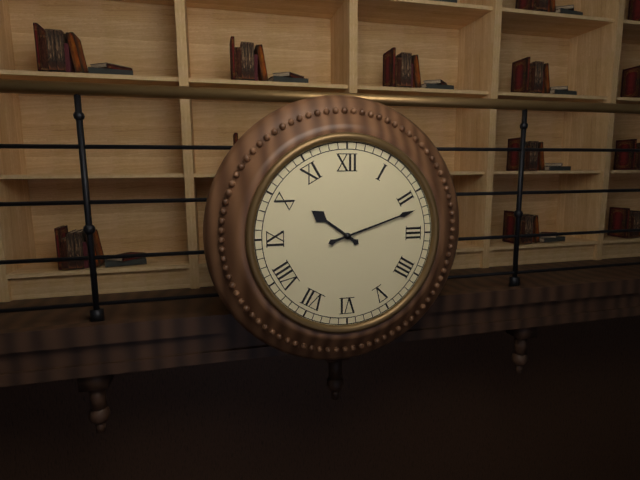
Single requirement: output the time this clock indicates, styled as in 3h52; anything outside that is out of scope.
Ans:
10h12
